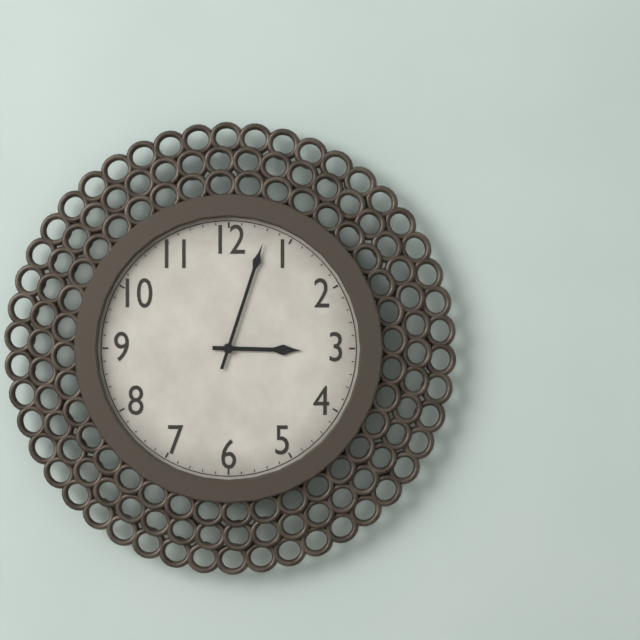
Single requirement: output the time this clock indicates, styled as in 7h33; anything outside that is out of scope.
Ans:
3h03
